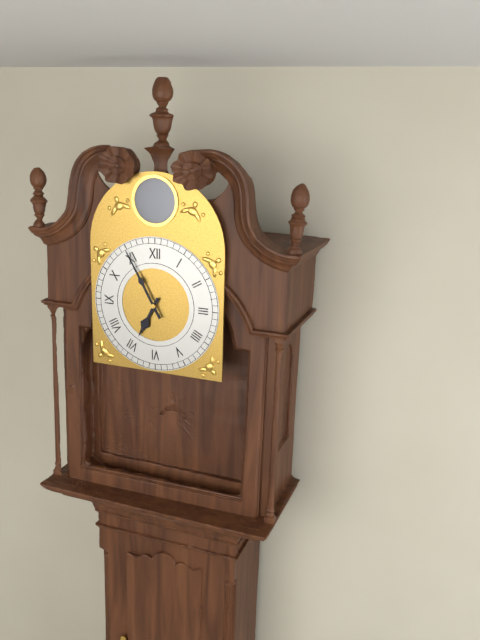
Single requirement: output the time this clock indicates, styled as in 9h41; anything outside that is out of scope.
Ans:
6h55
